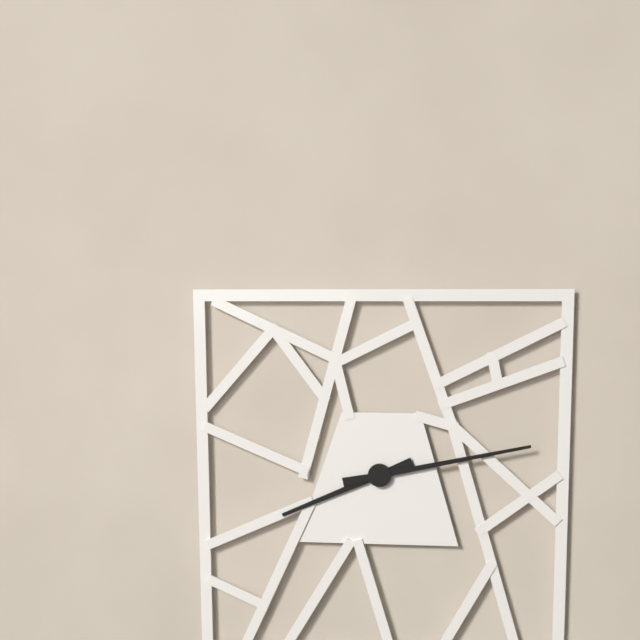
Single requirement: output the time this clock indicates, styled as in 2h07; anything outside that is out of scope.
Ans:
8h13
